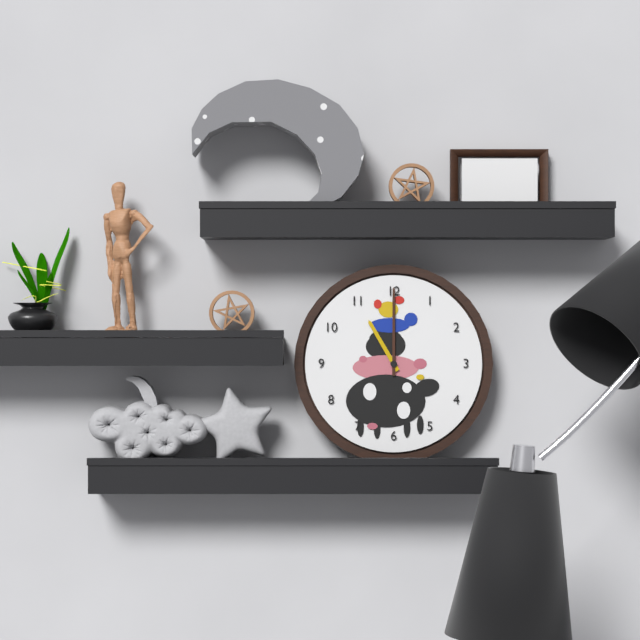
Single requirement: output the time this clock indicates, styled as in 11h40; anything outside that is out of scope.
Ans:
11h00
